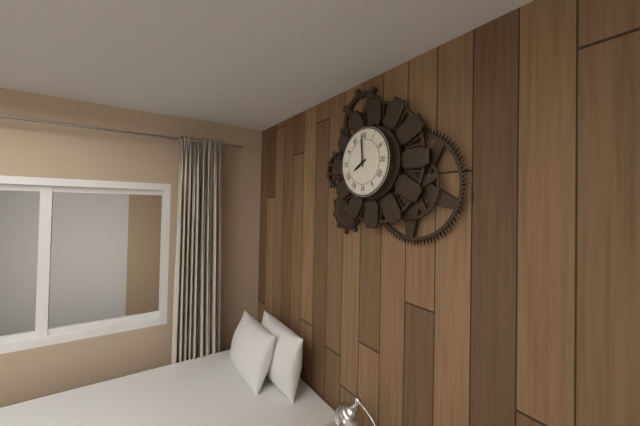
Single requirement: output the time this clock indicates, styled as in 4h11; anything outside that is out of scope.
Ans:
7h59
